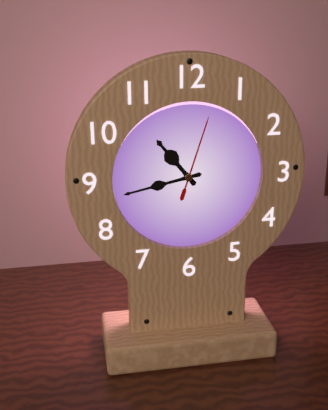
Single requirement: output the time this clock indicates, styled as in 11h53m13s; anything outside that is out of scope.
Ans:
10h43m03s
